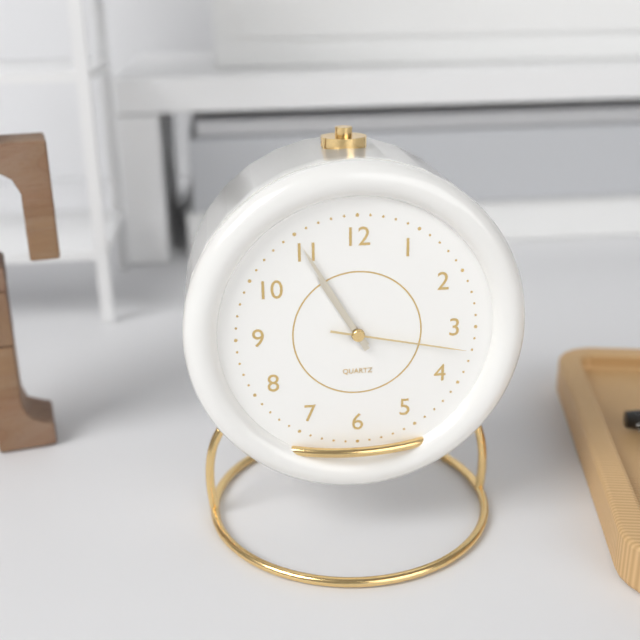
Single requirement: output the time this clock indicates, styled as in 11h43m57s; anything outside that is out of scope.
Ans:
10h55m17s
